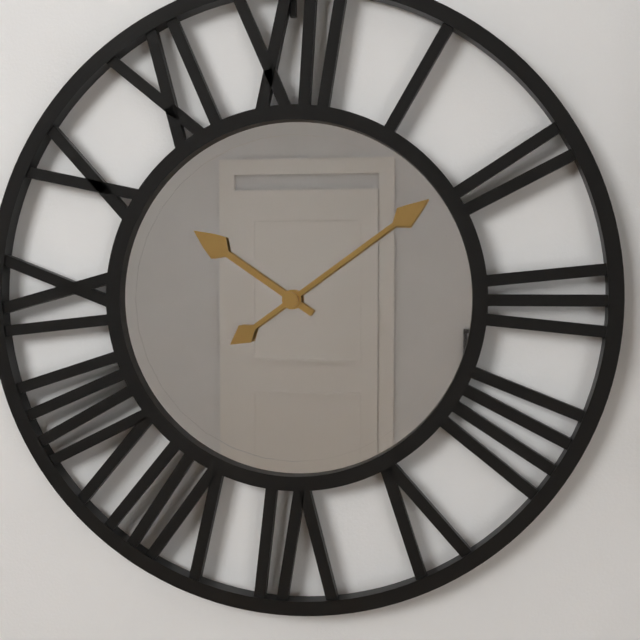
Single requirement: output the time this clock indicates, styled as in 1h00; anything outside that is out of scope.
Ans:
10h09
